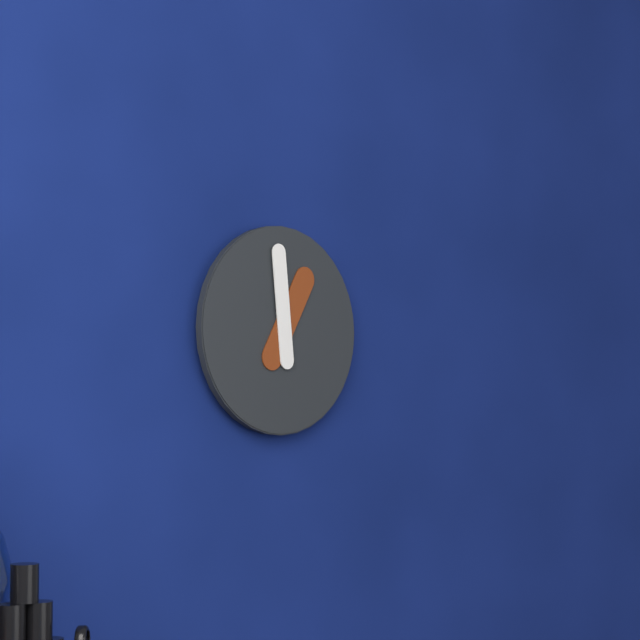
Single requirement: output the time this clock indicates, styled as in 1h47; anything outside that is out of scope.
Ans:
12h59
